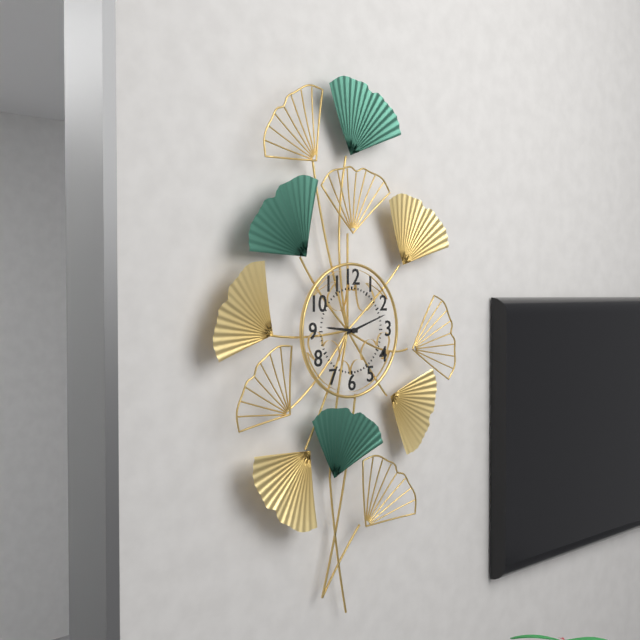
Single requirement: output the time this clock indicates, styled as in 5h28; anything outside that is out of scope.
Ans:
9h12
